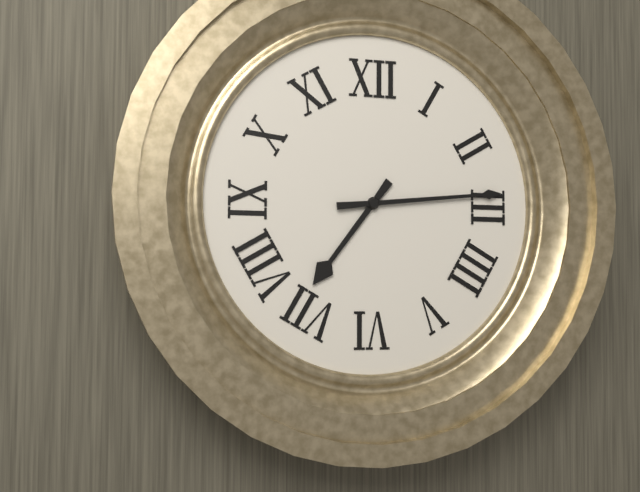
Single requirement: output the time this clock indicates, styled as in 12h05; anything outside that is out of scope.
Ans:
7h14
